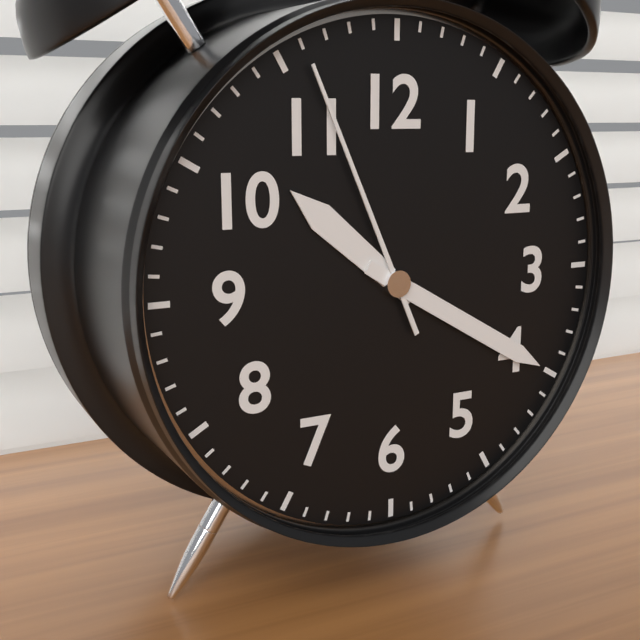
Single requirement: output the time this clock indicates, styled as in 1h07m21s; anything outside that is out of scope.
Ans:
10h20m56s
